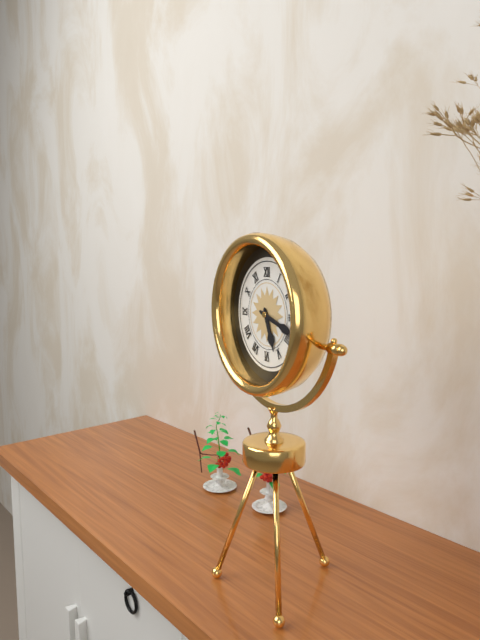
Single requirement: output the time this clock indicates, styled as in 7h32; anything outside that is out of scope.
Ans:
5h18
